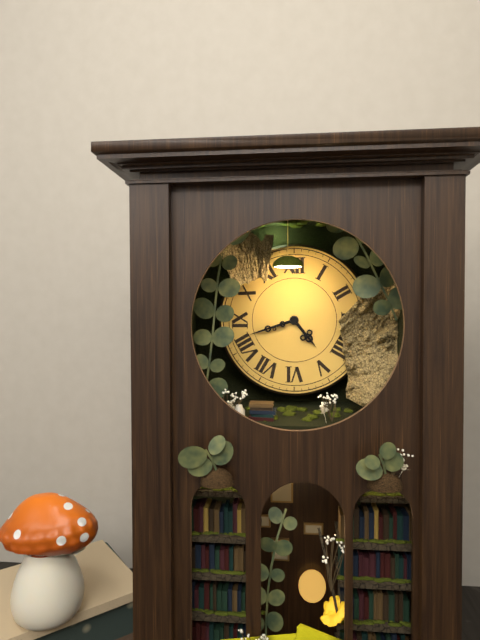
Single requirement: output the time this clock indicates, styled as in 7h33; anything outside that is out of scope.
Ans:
4h42
